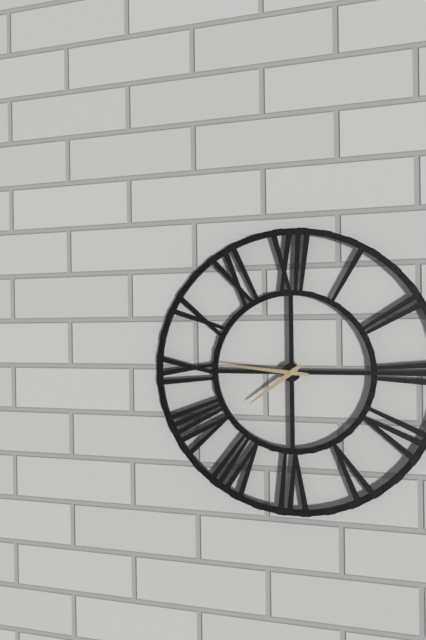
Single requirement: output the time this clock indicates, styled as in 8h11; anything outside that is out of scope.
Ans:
7h46
